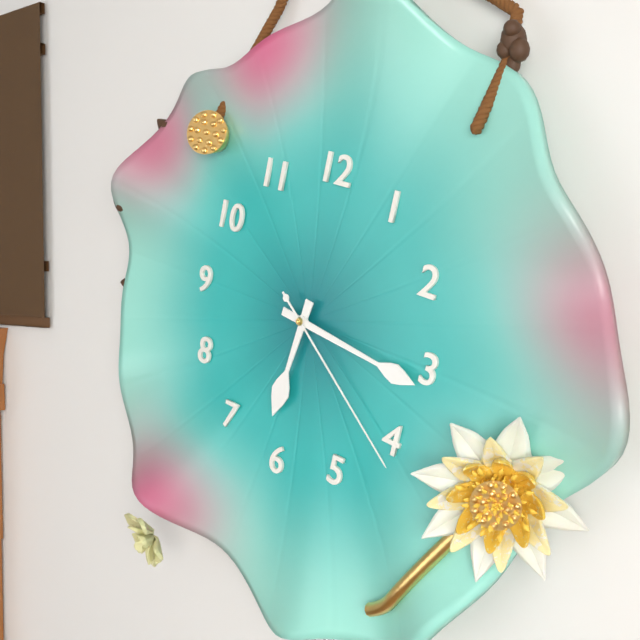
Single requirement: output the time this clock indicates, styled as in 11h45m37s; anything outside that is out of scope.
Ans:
6h16m21s
